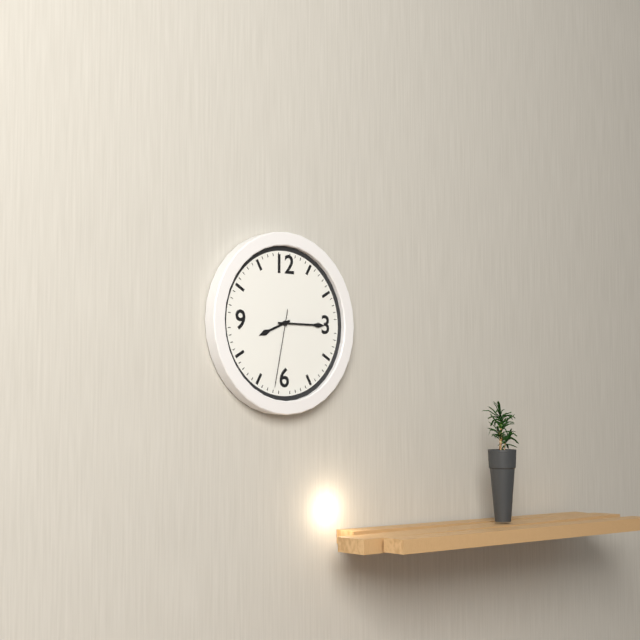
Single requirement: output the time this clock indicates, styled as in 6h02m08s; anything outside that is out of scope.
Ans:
8h15m32s
